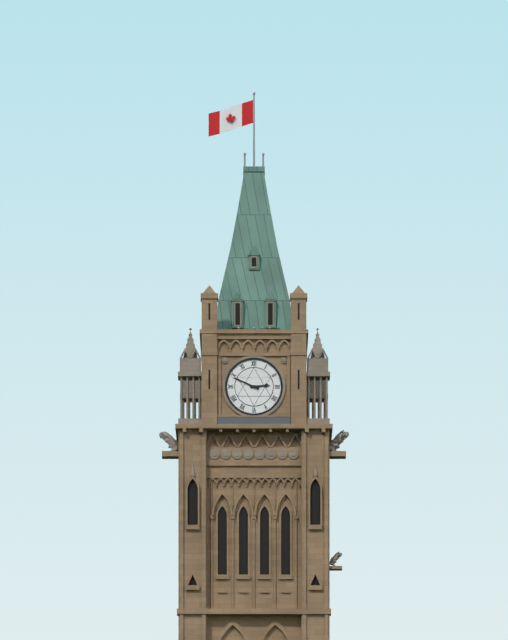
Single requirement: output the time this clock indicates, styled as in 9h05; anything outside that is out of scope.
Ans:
2h49
